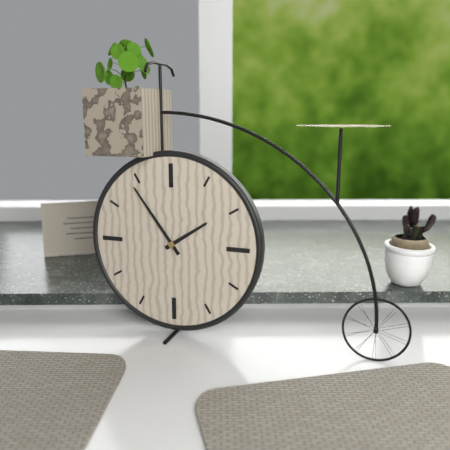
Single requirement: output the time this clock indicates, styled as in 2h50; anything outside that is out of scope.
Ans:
1h54
